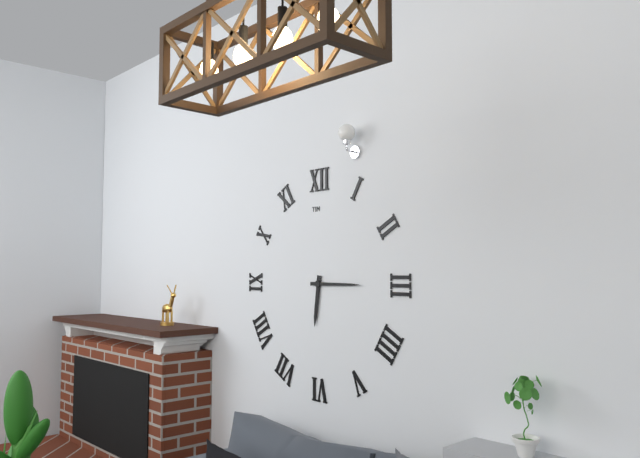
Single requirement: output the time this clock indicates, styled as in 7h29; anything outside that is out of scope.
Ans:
6h15
